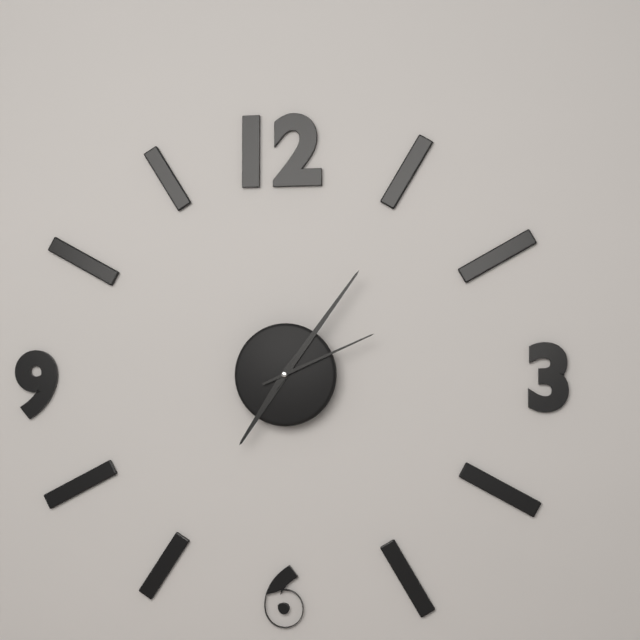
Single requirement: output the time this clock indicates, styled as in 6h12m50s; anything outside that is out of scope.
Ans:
7h06m11s
